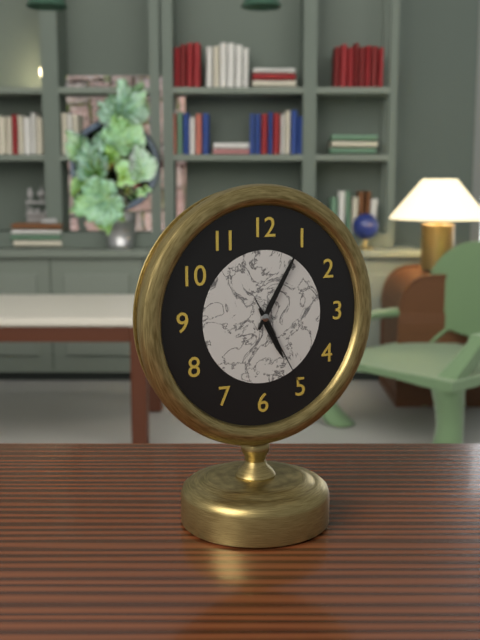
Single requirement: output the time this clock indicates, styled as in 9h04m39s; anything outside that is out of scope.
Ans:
5h05m25s
